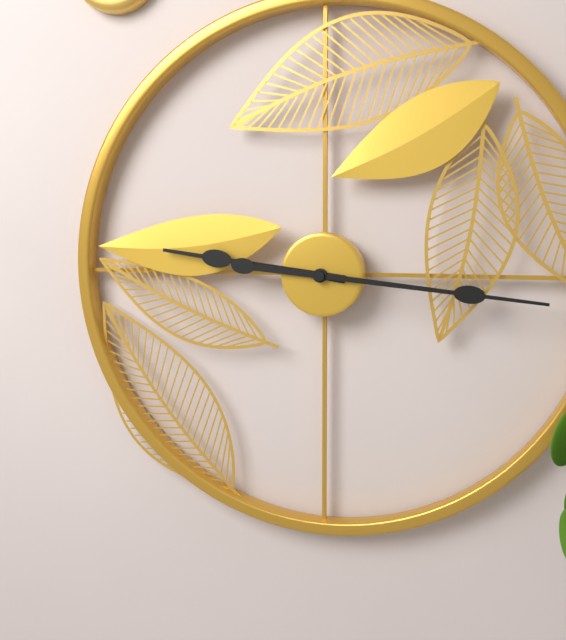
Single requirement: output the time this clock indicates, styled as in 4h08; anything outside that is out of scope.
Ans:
9h16
